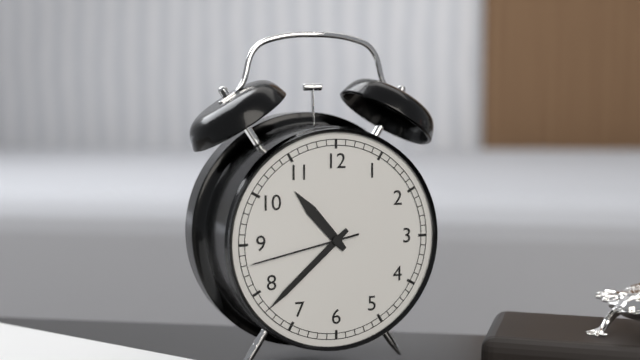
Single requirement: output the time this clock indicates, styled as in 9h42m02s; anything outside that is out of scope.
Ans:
10h38m43s
